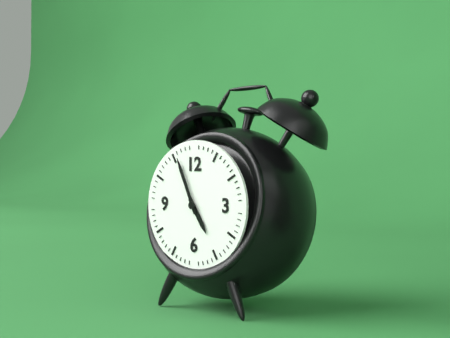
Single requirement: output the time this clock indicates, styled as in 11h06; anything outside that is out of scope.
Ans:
4h56
